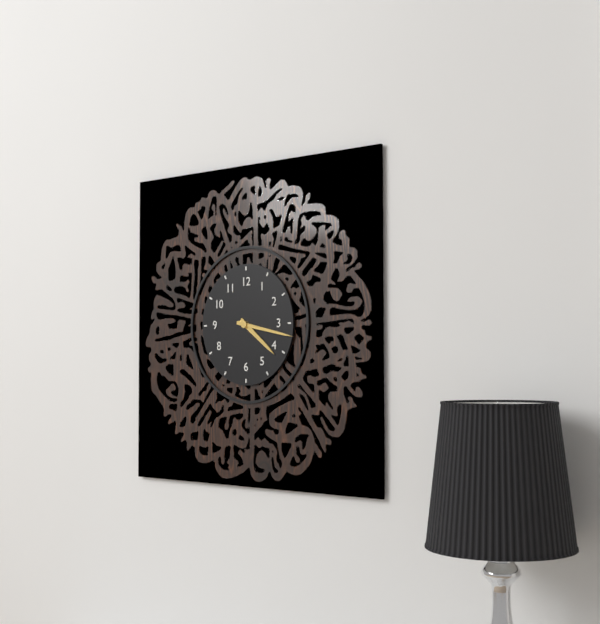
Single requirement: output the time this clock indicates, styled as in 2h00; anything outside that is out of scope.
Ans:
4h17
